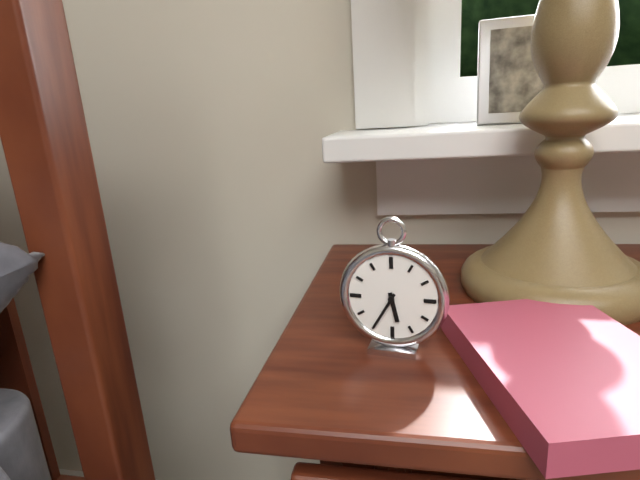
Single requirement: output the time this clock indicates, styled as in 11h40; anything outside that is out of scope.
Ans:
5h35
